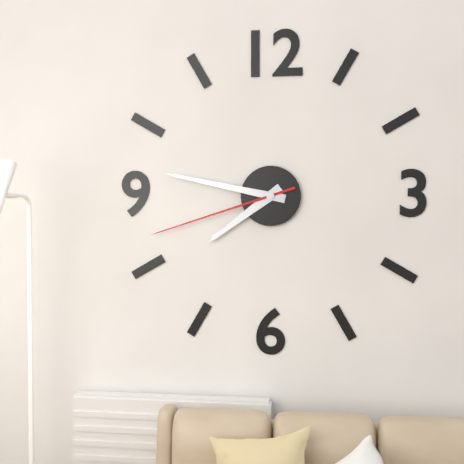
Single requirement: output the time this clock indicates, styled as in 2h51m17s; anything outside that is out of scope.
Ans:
7h47m42s
